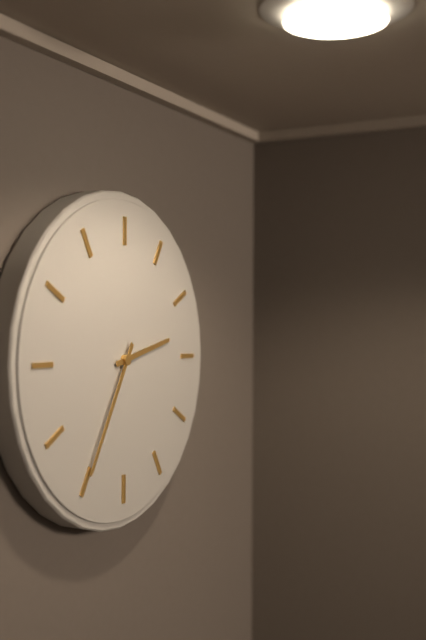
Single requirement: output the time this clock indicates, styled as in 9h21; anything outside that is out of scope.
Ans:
2h35
